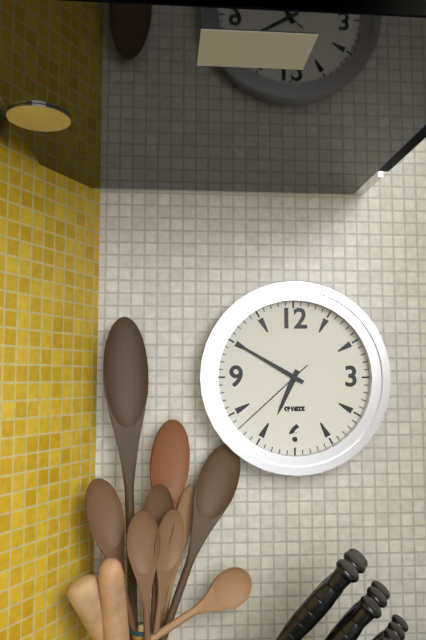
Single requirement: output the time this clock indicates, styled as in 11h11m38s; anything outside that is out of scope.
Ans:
6h50m38s
